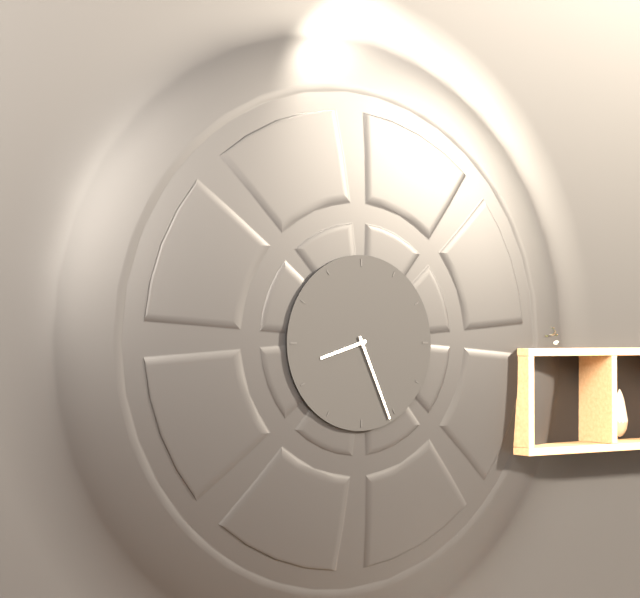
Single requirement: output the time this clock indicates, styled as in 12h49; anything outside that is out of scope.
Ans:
8h26
